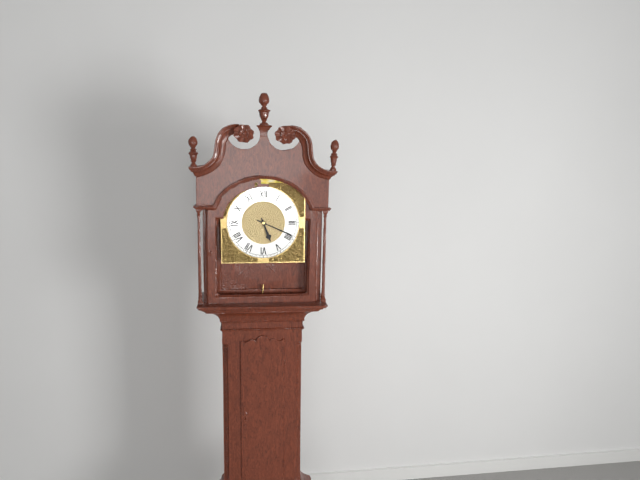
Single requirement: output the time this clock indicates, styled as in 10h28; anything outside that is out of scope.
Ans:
5h19
